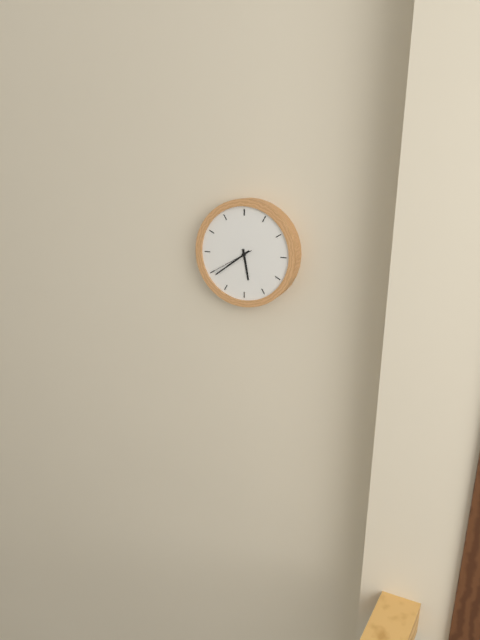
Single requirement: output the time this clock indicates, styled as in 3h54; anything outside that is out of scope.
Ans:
5h39
